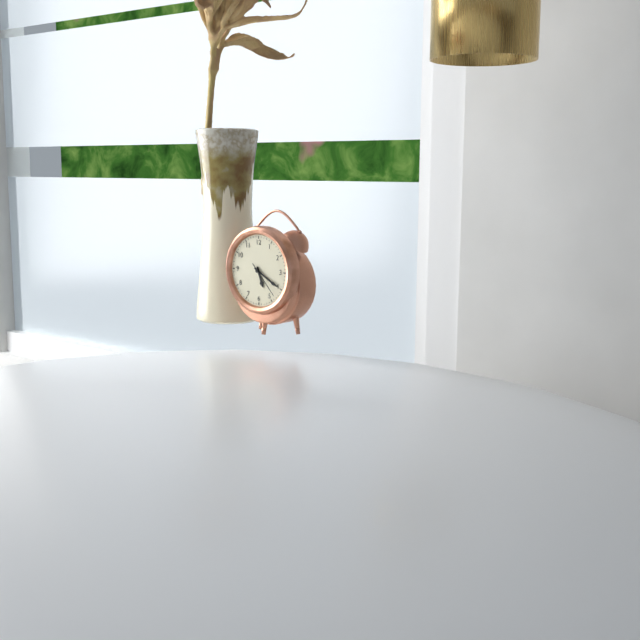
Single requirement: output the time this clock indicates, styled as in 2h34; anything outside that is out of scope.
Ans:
5h20
